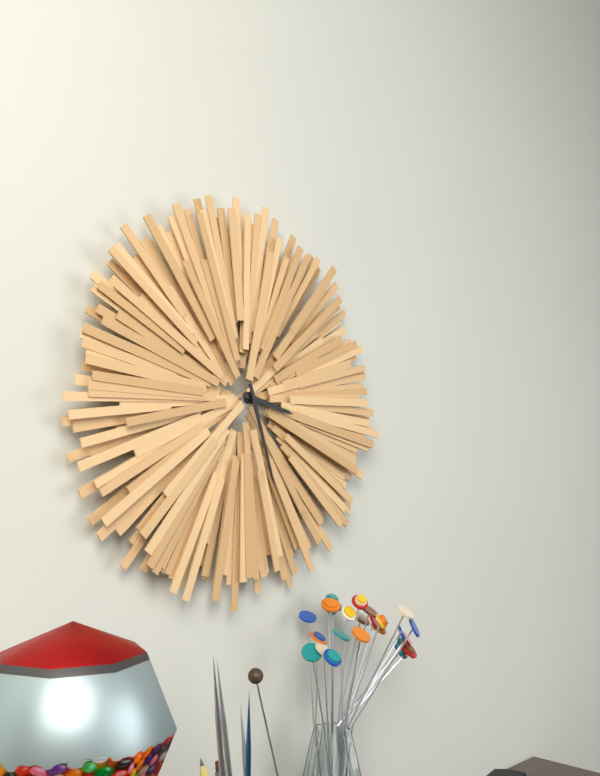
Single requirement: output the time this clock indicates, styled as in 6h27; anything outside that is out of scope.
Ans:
3h27
